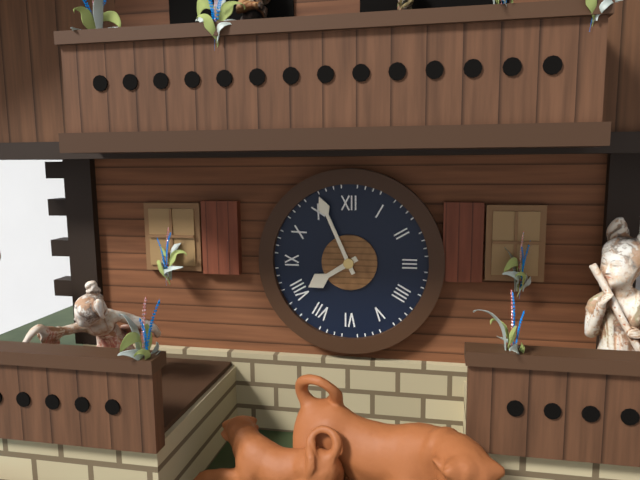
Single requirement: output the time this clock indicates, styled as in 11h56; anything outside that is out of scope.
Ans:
7h56
